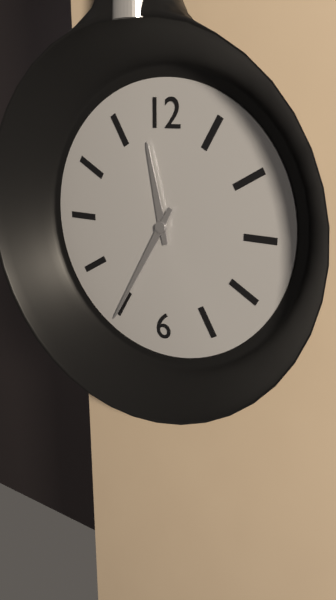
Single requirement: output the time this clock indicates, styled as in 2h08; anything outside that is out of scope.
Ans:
11h35
